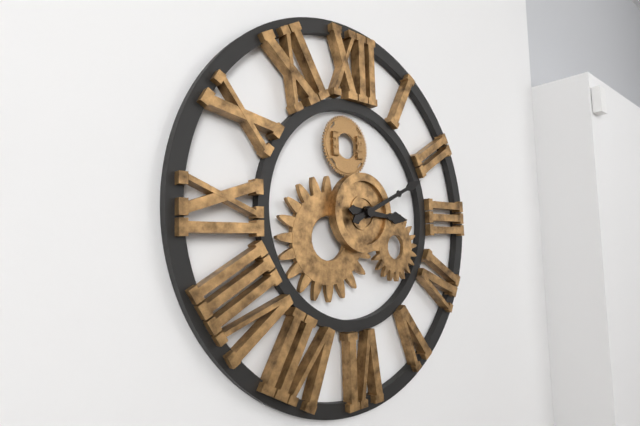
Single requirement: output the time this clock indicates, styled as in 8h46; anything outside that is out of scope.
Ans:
3h11
